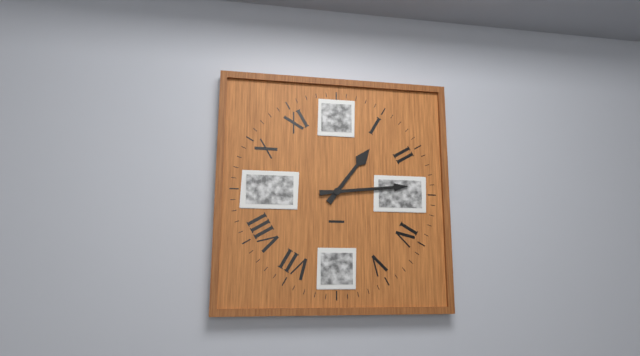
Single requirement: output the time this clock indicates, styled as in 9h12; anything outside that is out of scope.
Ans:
1h14
